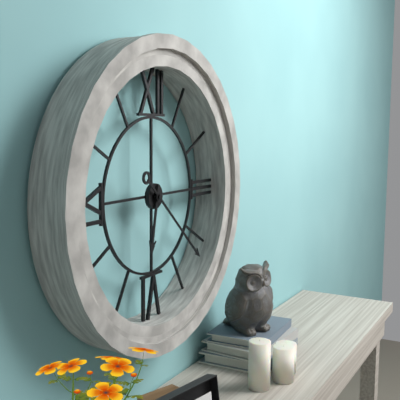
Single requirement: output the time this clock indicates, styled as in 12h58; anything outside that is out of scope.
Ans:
6h22
